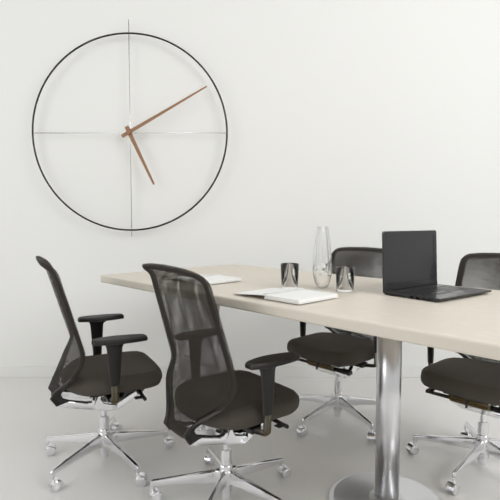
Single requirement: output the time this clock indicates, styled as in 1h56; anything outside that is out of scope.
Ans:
5h10
